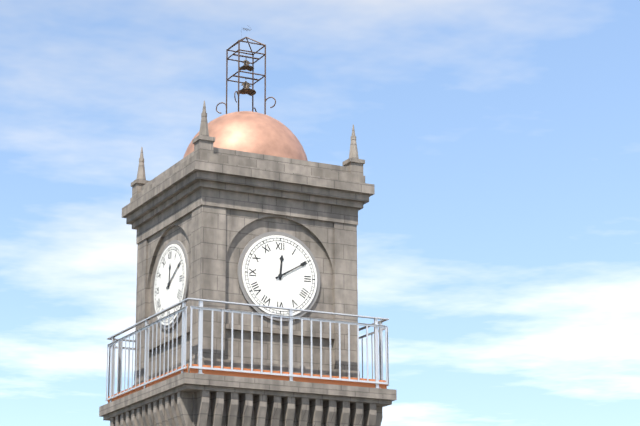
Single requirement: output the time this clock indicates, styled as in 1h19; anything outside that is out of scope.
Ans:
12h10
